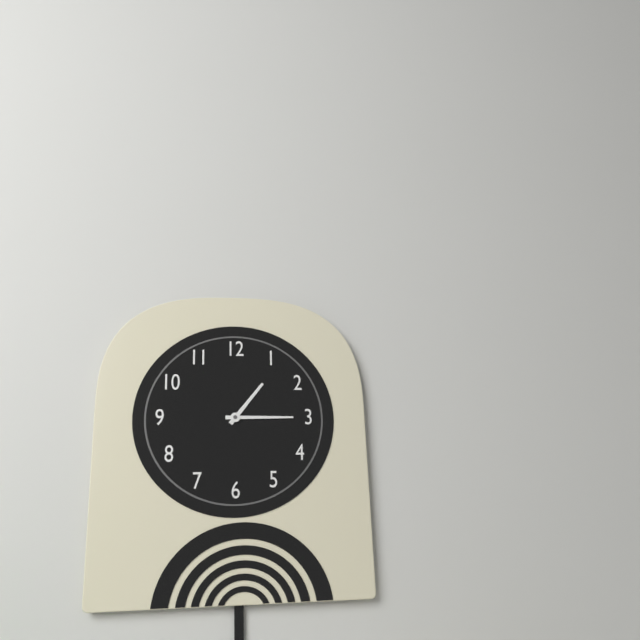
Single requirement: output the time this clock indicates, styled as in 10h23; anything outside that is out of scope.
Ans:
1h15
